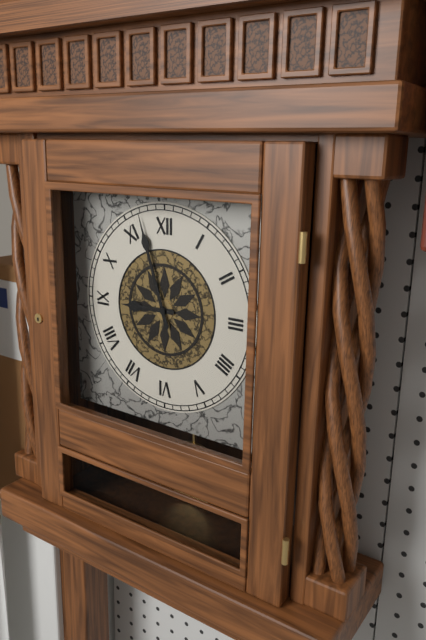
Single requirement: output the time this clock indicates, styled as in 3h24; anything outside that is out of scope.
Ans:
8h57
